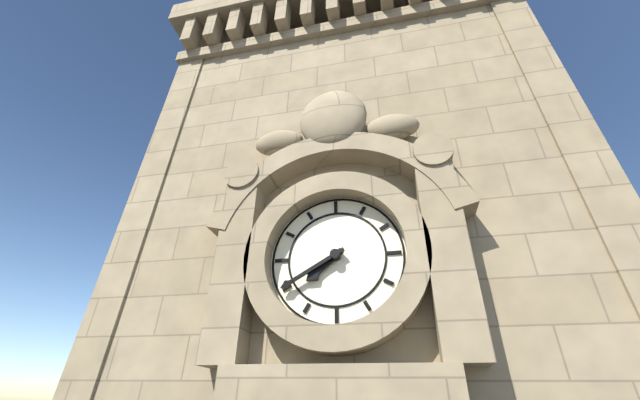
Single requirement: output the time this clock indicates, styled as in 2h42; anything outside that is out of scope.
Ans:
7h40
